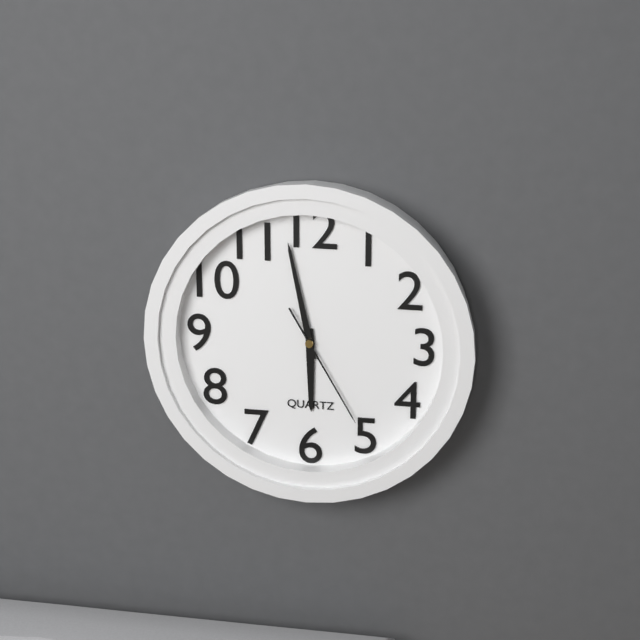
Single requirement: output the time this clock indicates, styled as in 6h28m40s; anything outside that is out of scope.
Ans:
5h58m25s
